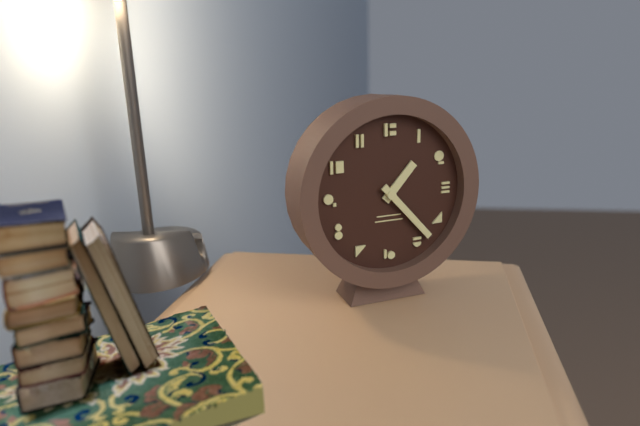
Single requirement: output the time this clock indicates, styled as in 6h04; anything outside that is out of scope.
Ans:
1h23
